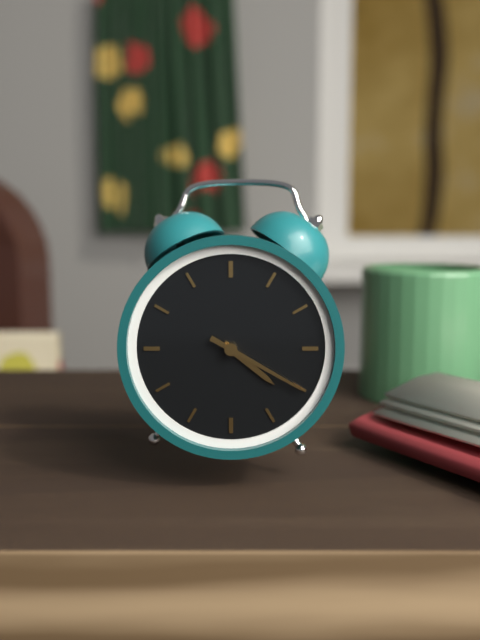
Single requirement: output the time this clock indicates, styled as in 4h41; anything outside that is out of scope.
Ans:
4h20
